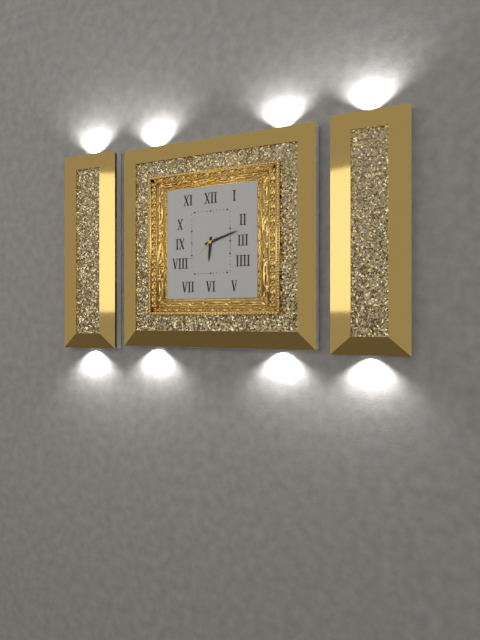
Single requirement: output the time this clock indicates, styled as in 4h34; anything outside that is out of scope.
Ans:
6h12
